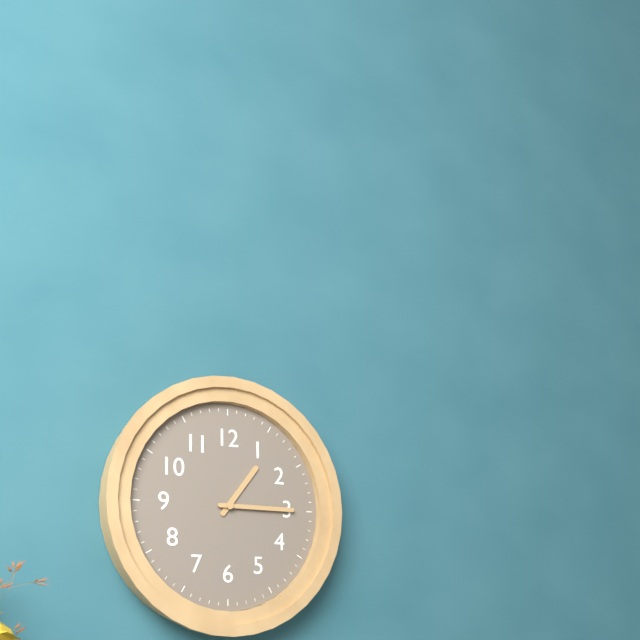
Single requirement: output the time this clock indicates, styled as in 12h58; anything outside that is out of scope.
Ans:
1h15
